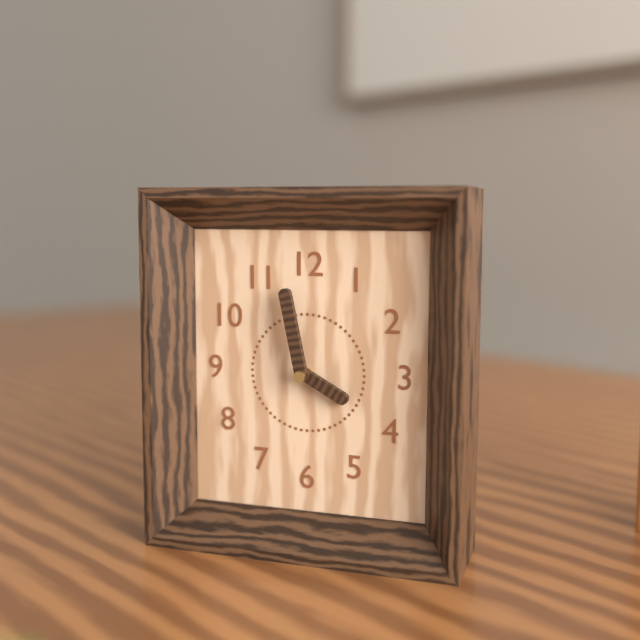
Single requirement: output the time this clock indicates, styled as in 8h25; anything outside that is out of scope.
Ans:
3h58
